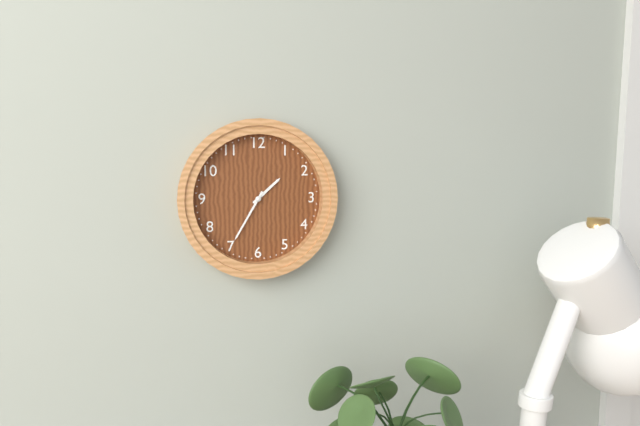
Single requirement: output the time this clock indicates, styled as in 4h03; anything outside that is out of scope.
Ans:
1h35
